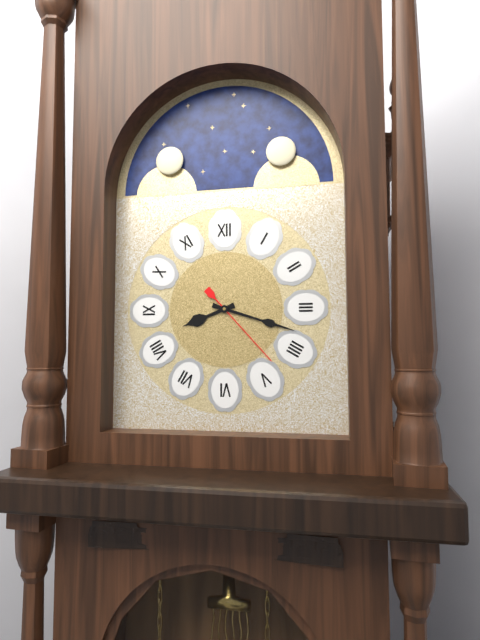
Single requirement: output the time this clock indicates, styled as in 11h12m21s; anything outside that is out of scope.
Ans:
8h18m23s
